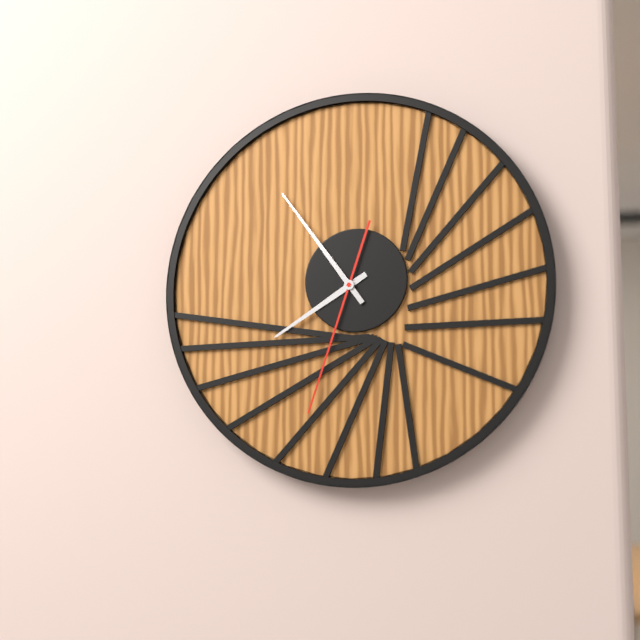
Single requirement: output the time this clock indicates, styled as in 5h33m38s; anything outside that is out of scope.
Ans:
7h54m33s
